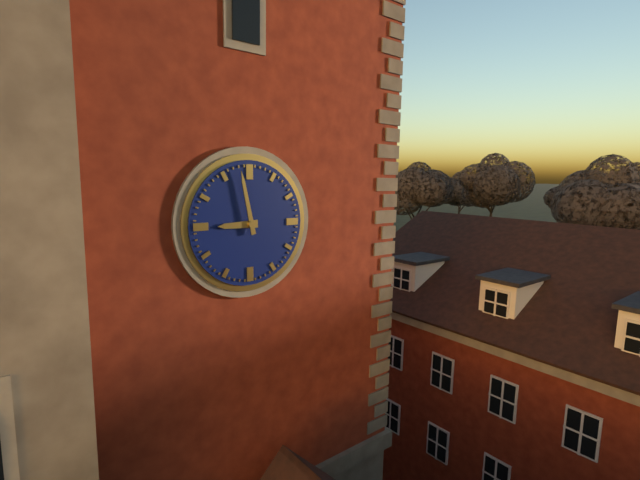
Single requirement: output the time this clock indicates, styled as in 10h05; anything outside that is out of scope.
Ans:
8h58
